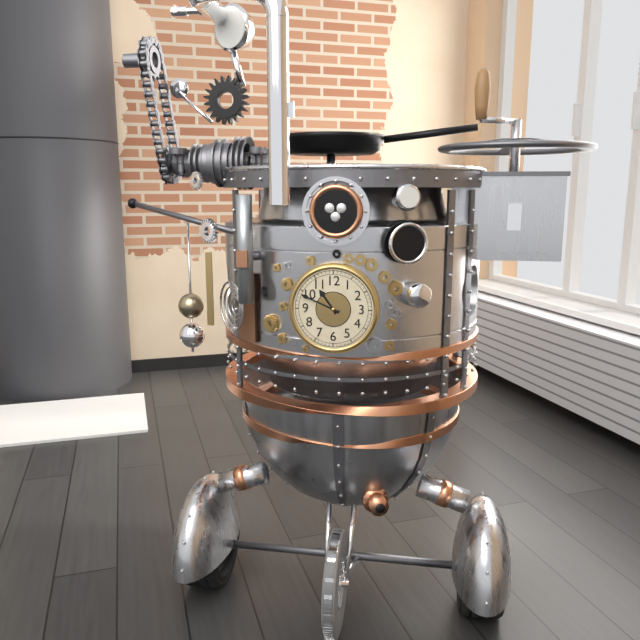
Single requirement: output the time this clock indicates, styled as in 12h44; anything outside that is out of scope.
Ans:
10h49
